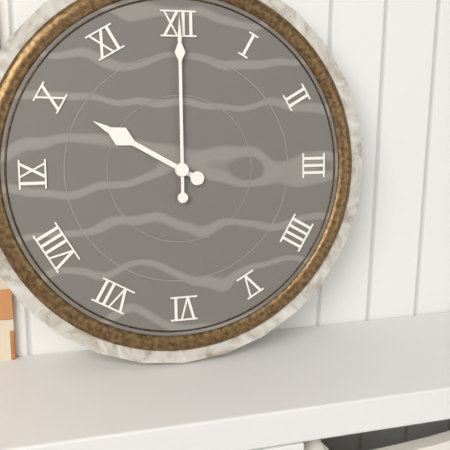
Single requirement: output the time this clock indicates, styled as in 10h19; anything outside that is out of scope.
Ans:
10h00
